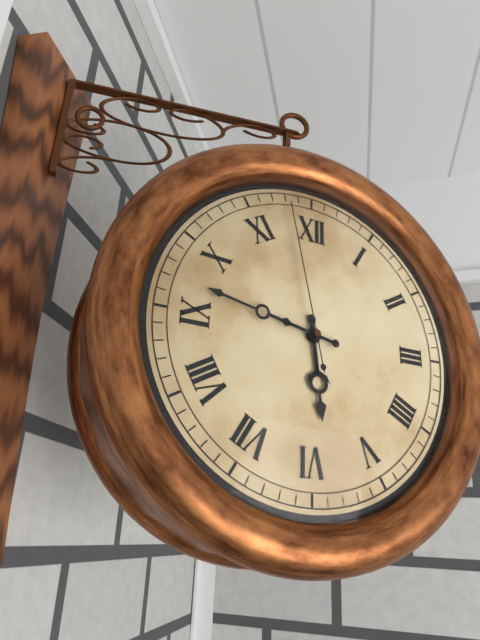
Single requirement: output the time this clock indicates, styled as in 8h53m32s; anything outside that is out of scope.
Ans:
5h47m58s
